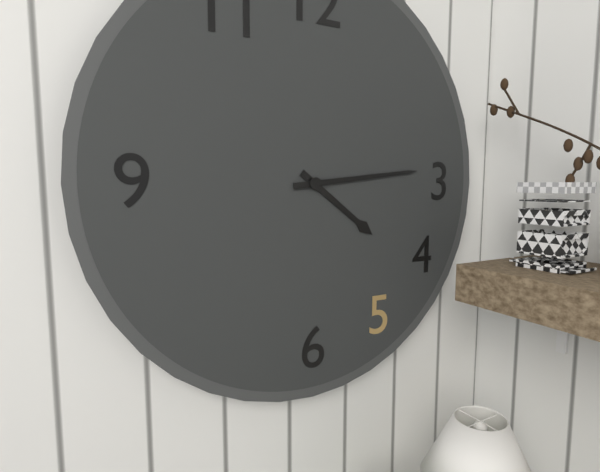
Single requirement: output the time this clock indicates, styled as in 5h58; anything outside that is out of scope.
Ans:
4h14
